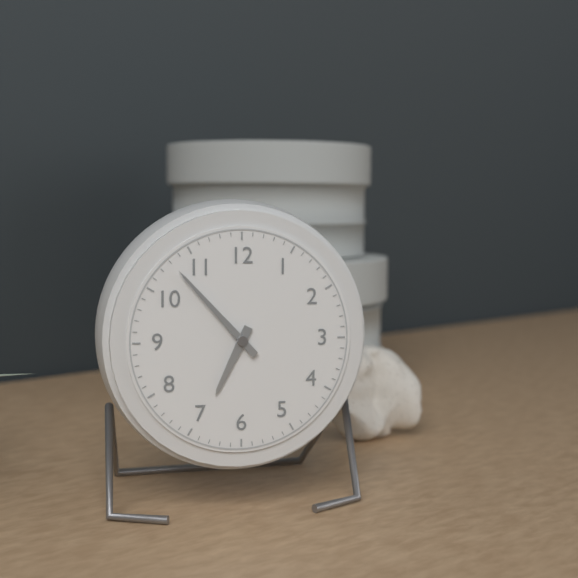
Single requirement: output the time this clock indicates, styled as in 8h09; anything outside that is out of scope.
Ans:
6h53
